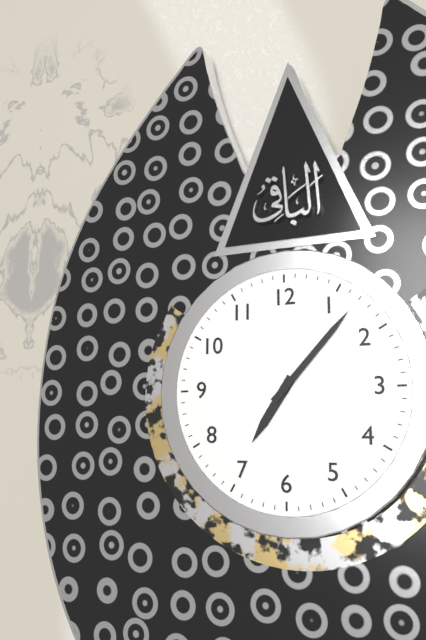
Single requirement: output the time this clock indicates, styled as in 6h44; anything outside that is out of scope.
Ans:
7h07
